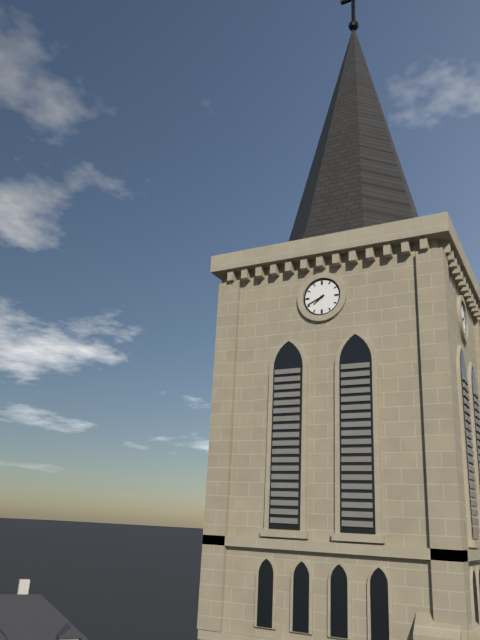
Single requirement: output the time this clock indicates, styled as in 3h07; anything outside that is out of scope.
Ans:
7h41
